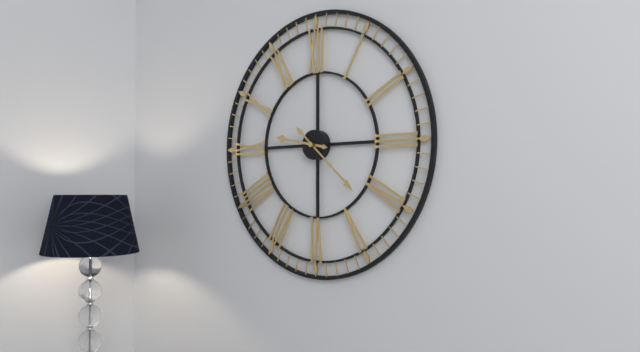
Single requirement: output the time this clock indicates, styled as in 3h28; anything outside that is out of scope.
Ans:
9h22
